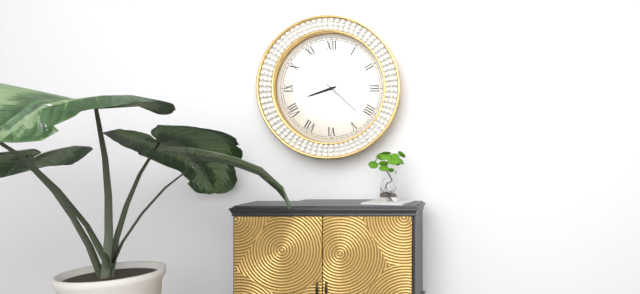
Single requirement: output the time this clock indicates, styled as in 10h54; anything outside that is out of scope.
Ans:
8h22
